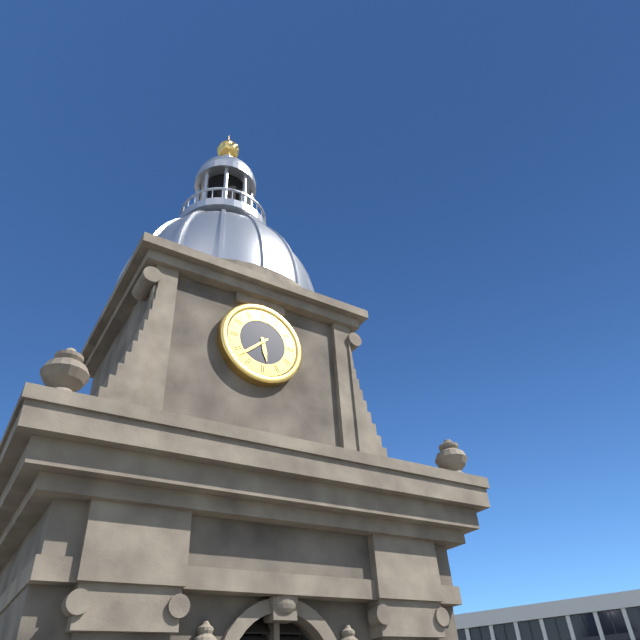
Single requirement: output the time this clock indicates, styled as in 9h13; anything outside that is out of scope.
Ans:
5h38
